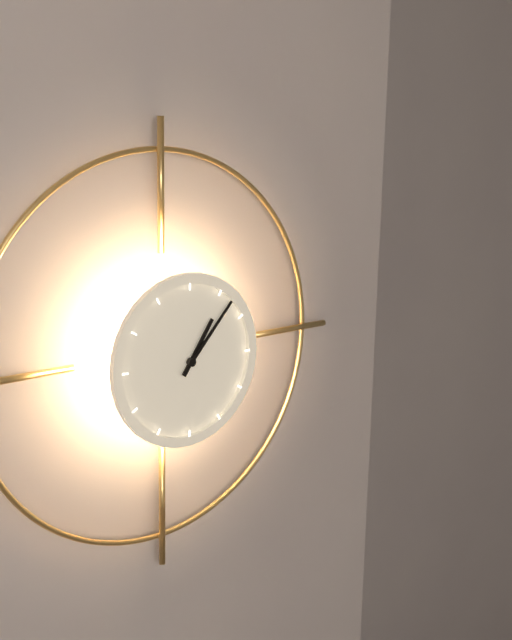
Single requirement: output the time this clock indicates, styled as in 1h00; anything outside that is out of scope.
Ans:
1h07
